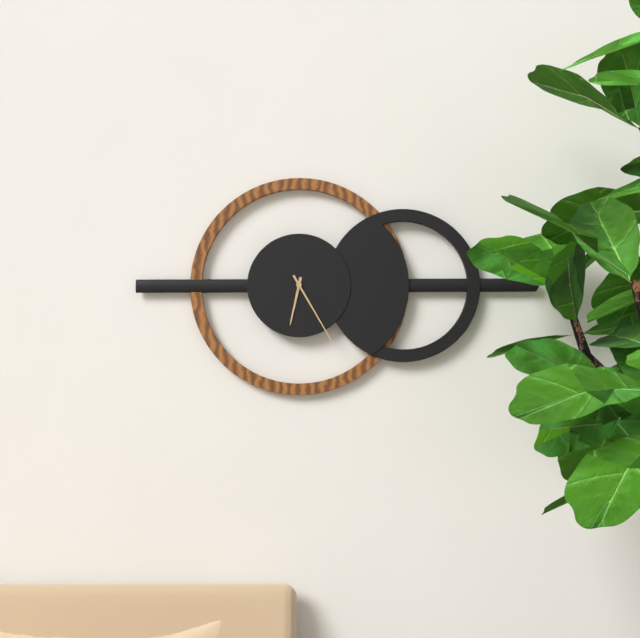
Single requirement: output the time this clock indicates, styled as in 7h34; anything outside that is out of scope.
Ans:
6h25
